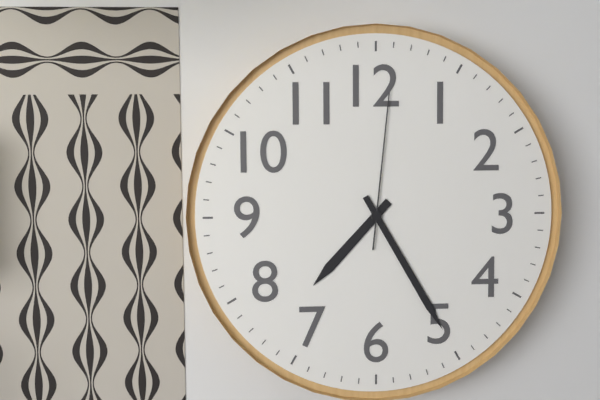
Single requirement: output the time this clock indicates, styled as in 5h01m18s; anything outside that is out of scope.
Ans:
7h25m01s
